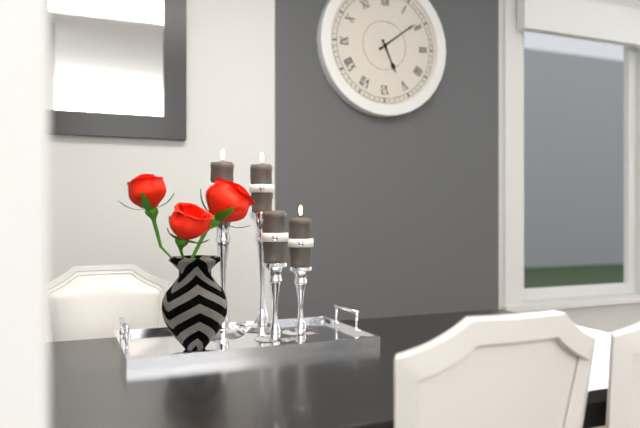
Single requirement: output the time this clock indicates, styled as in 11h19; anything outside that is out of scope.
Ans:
5h09
